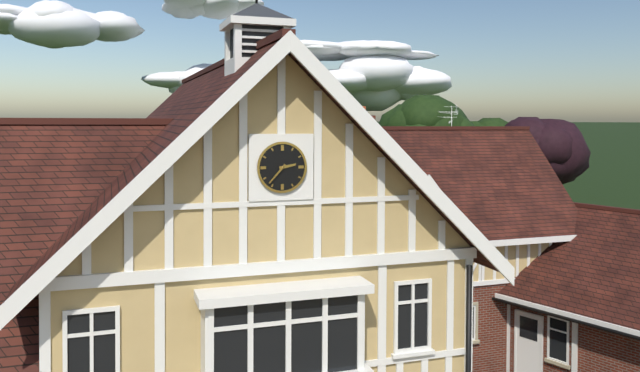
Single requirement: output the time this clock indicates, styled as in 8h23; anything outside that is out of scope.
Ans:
2h37
